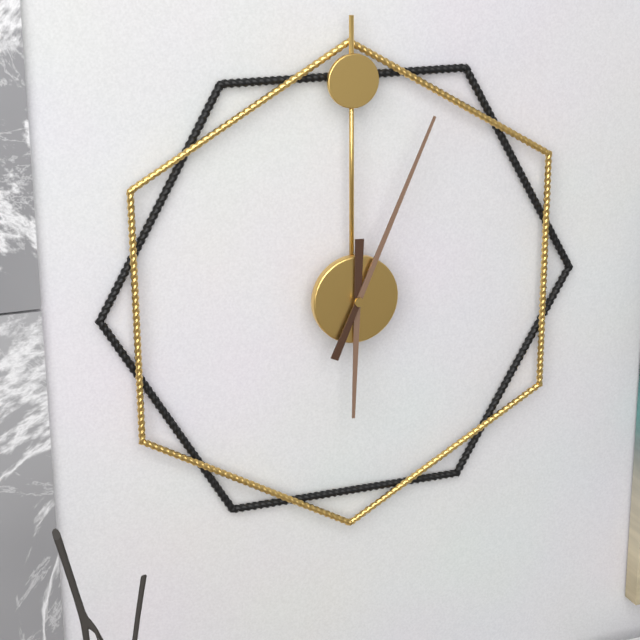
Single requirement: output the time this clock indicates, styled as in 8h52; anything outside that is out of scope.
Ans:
6h04
